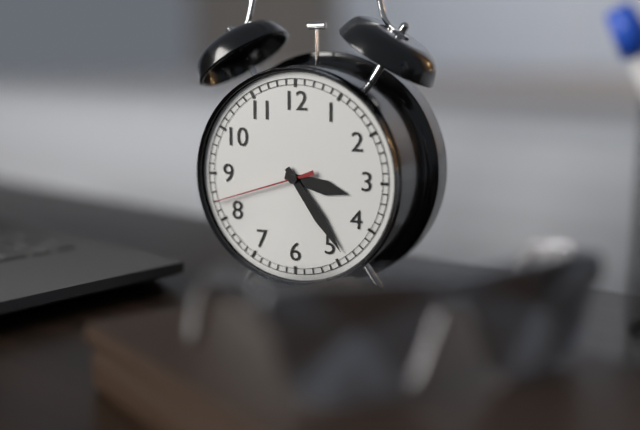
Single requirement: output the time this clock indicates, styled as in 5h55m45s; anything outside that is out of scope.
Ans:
3h24m42s
